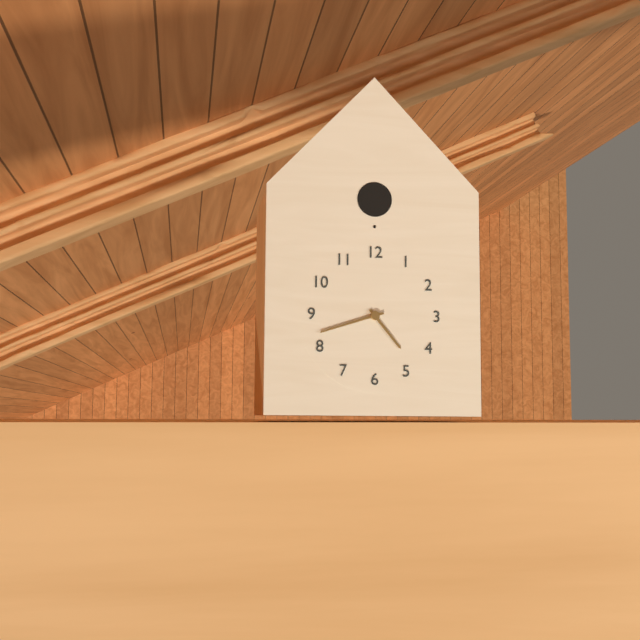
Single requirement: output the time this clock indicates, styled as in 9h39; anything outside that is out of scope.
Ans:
4h42
